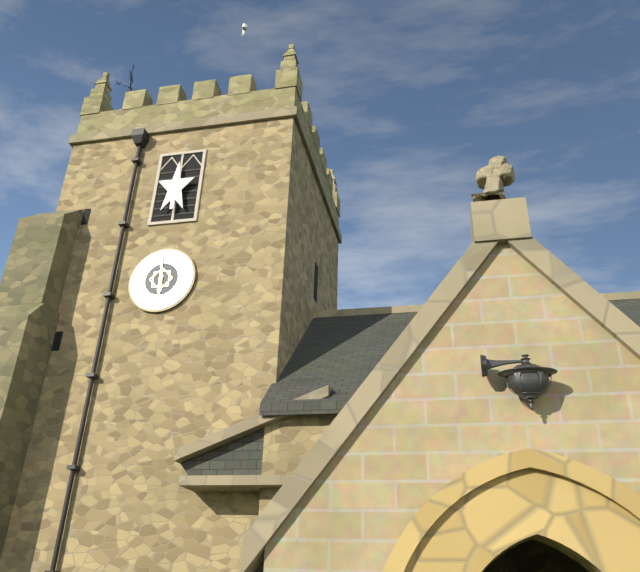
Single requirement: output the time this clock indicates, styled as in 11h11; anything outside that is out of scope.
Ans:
5h59
